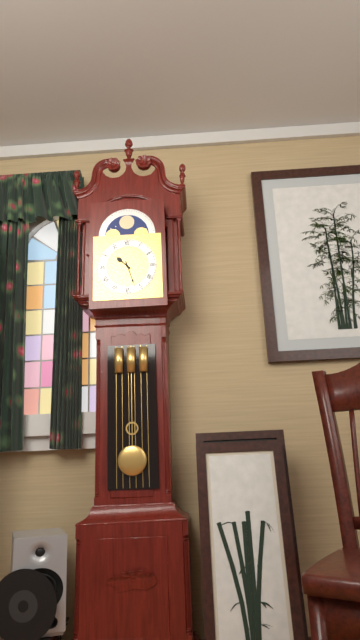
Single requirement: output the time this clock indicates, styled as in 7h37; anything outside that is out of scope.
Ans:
10h27
